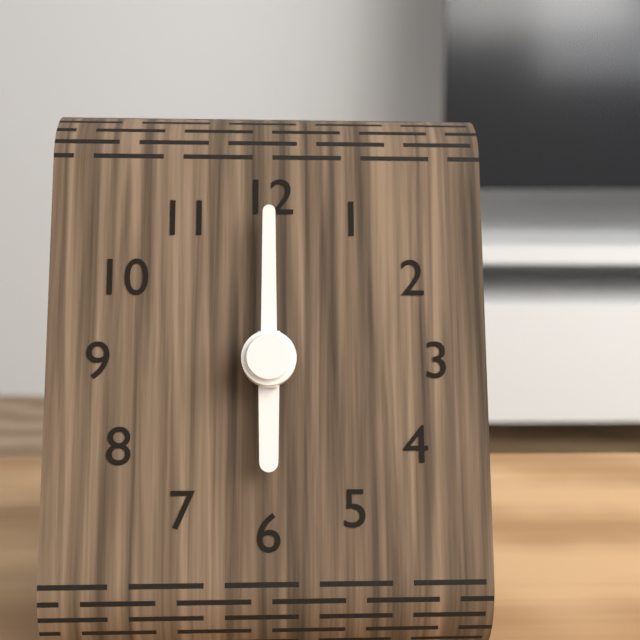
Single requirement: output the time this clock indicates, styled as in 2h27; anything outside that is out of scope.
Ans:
6h00
